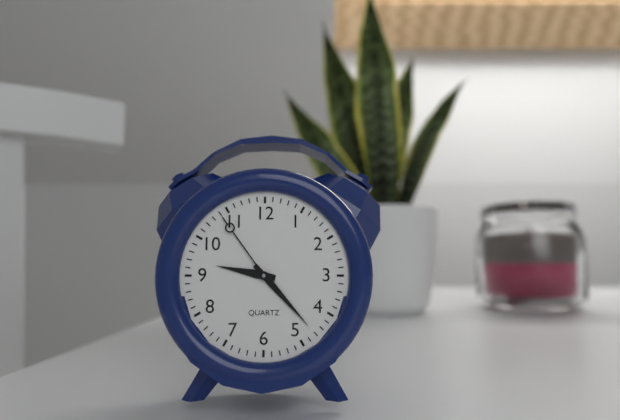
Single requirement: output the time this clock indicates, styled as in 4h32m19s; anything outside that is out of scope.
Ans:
9h23m54s
